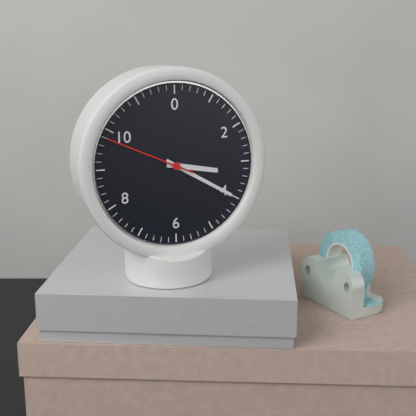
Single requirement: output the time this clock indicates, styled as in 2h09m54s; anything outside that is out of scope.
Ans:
3h20m49s
